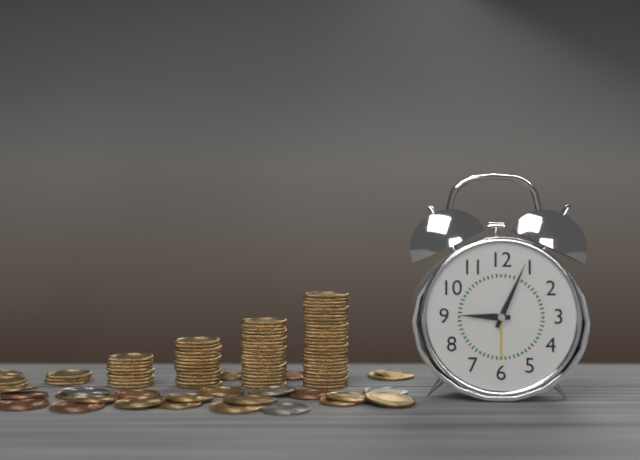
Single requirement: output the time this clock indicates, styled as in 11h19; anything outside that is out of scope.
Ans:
9h04
